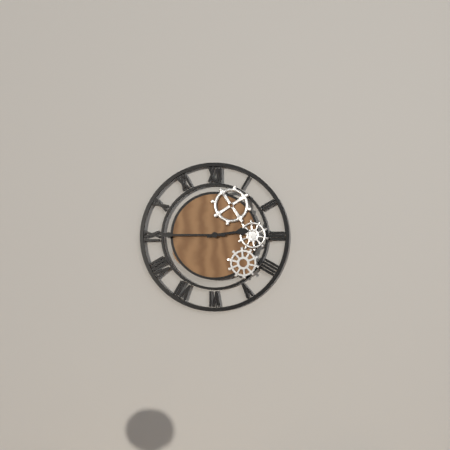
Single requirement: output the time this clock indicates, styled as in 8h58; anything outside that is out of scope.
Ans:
2h45
